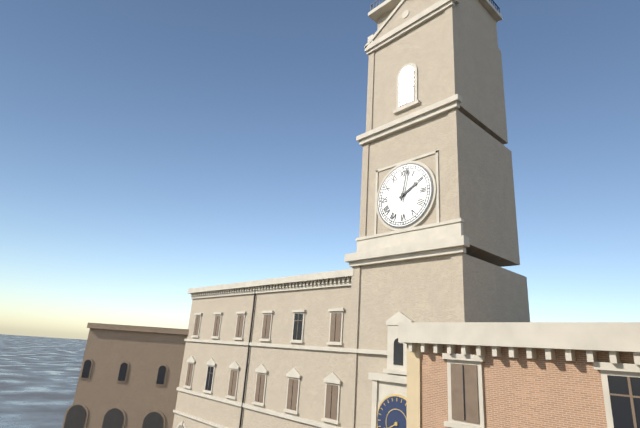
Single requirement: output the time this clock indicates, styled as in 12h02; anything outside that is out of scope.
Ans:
2h02
